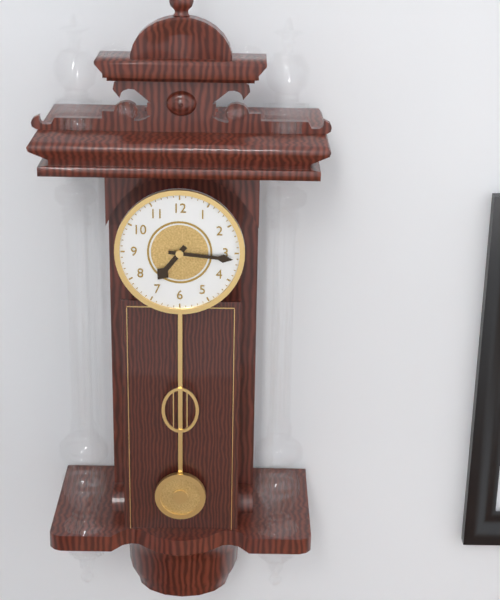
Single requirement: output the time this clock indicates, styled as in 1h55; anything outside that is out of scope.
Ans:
7h16
